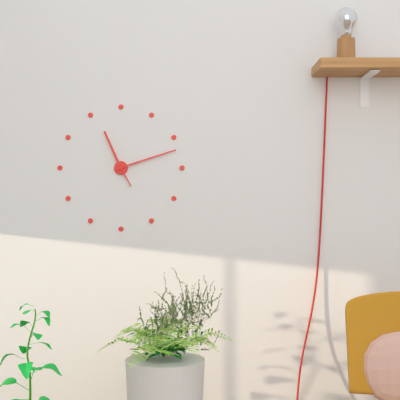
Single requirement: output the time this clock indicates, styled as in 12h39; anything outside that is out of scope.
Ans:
11h12
